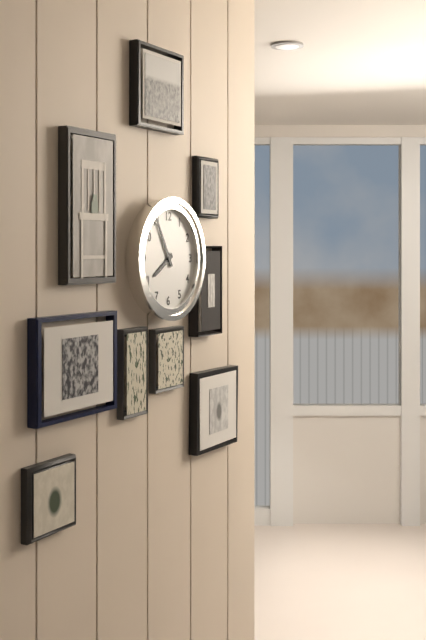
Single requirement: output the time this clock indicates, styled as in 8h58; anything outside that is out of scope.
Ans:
7h55
